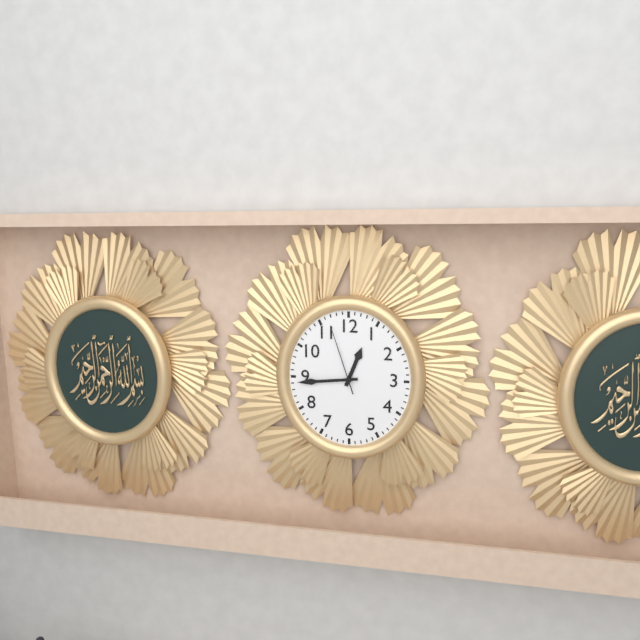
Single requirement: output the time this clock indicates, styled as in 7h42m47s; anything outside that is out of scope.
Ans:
12h44m57s
